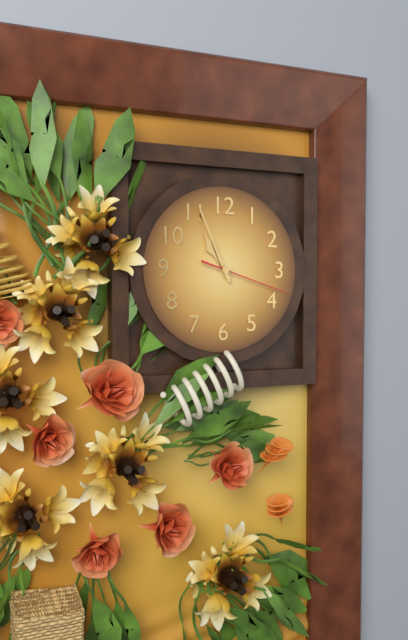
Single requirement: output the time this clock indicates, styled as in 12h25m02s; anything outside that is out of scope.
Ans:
10h56m18s
